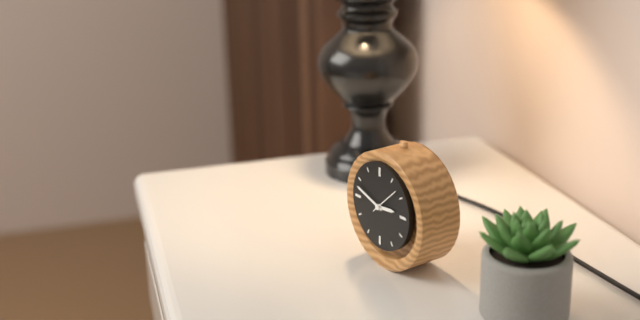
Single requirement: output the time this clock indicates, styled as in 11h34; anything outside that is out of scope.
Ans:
2h48
